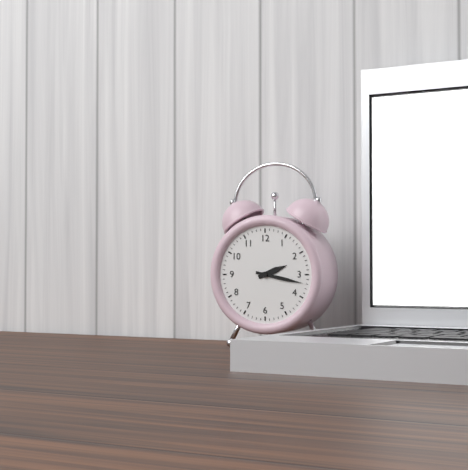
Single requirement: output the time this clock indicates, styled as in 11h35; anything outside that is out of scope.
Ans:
2h17
